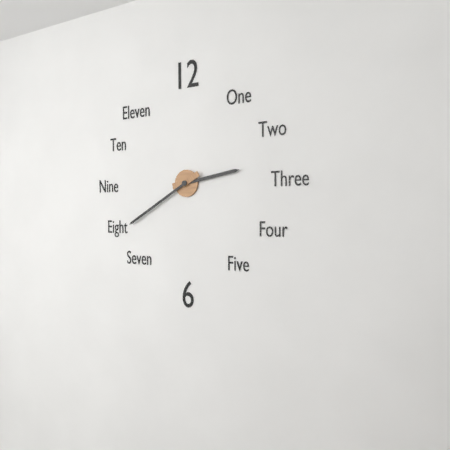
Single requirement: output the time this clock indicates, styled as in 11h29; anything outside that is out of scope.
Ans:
2h40
